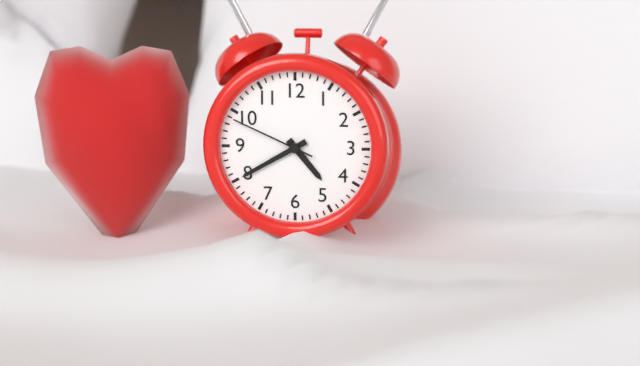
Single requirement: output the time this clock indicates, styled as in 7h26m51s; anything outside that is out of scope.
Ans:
4h40m49s
